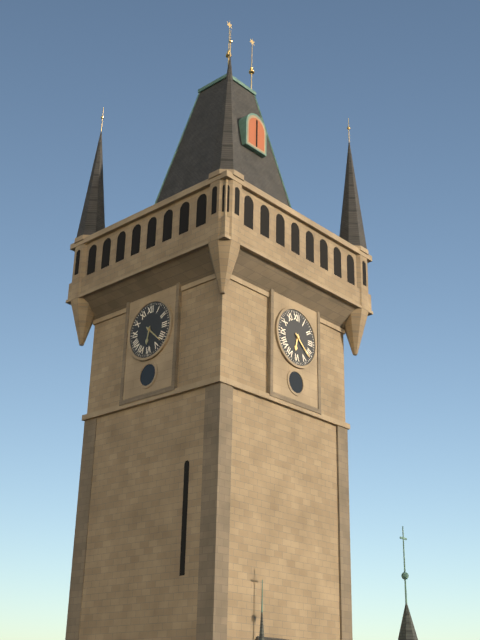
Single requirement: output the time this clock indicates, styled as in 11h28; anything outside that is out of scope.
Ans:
6h22
